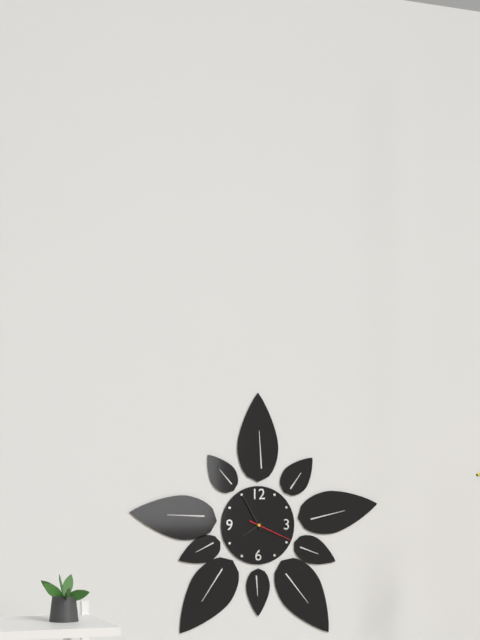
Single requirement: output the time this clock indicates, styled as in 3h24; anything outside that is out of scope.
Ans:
7h55
